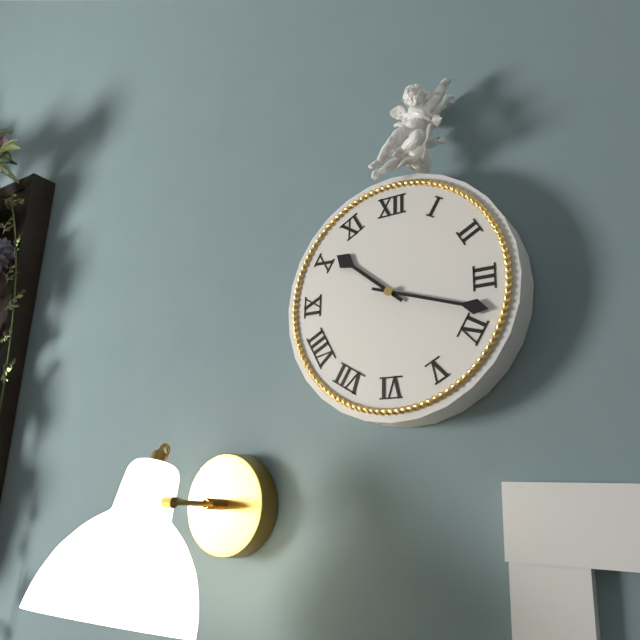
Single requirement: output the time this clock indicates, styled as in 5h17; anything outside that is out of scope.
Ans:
10h18
